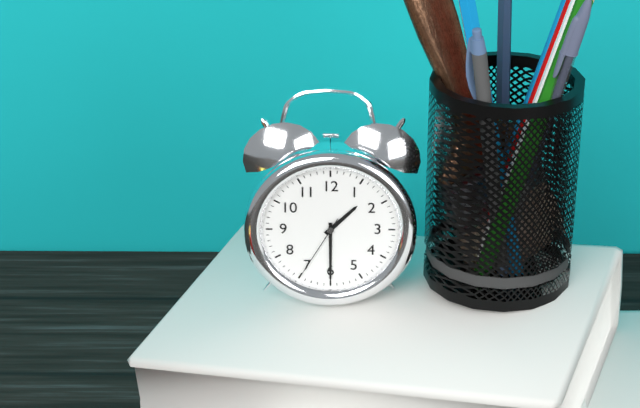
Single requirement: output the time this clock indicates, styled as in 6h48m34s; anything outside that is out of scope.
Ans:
1h30m35s
